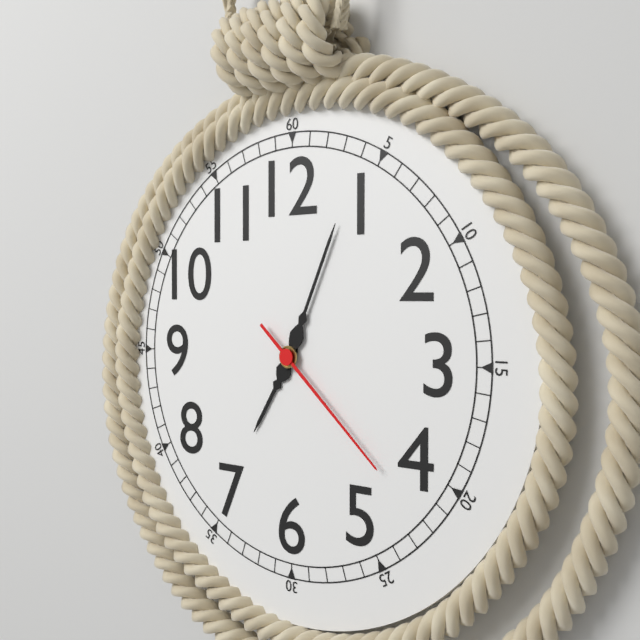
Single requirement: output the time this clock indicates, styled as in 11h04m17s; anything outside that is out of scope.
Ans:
7h04m22s
